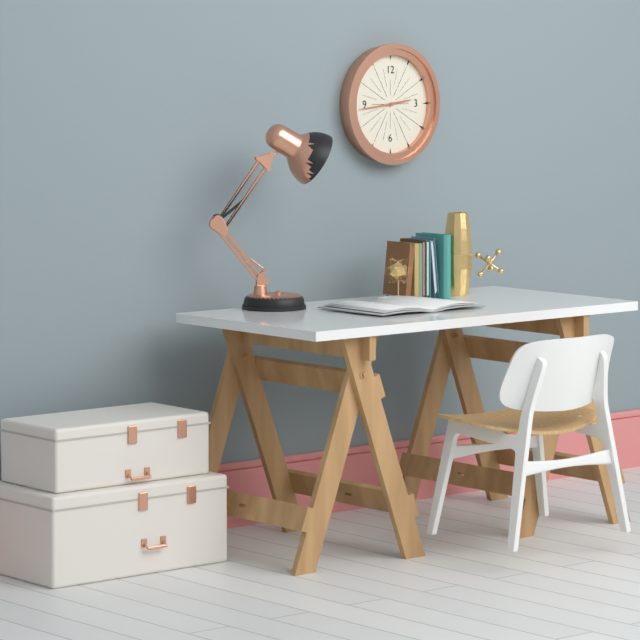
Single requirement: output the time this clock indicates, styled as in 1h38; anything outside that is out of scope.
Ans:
2h44
